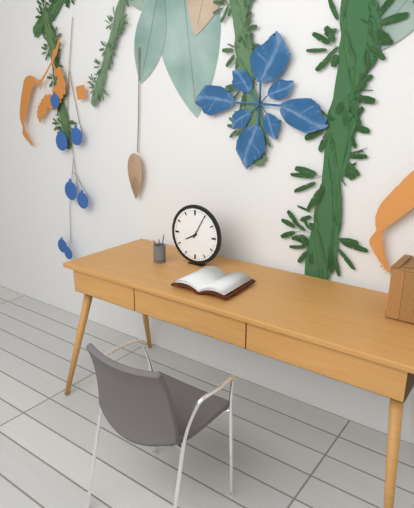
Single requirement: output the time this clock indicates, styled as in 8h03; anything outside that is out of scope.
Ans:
8h05
